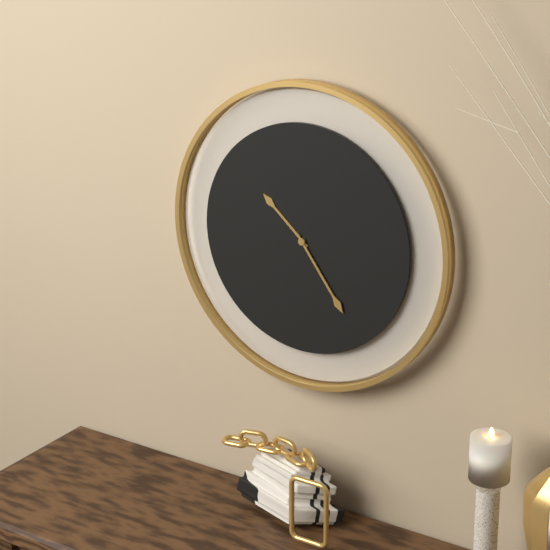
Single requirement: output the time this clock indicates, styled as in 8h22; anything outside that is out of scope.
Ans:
10h24
